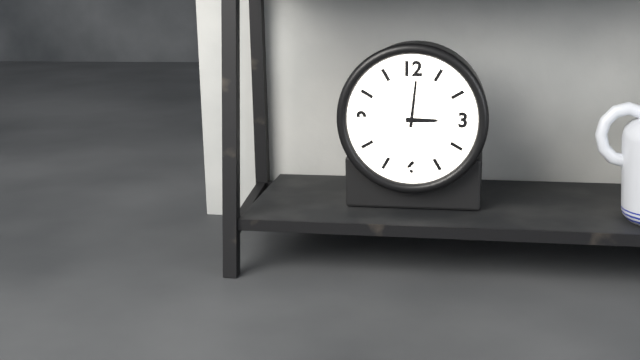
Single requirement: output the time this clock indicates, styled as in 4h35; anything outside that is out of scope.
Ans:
3h01
